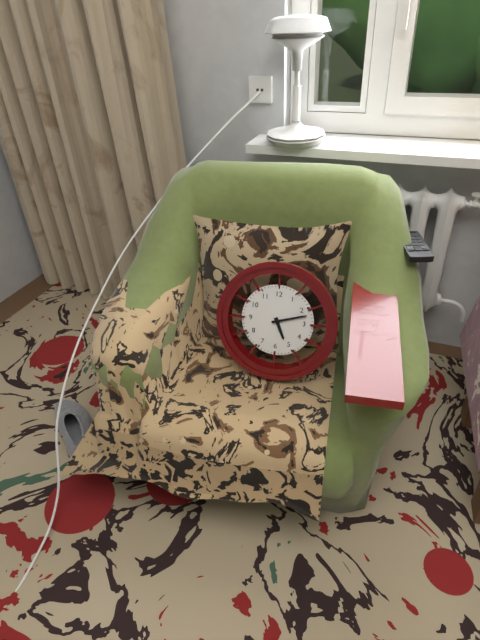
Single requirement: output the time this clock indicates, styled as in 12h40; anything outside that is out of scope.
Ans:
5h12
